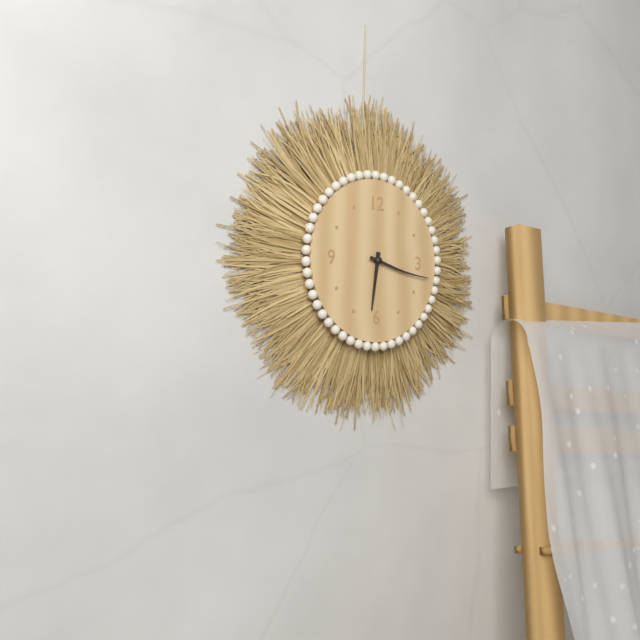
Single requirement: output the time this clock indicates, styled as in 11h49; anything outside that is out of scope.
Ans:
6h17
